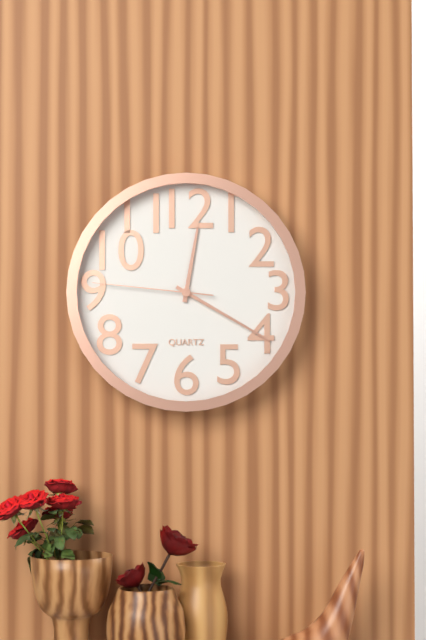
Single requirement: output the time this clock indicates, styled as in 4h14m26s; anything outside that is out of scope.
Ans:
12h20m46s
